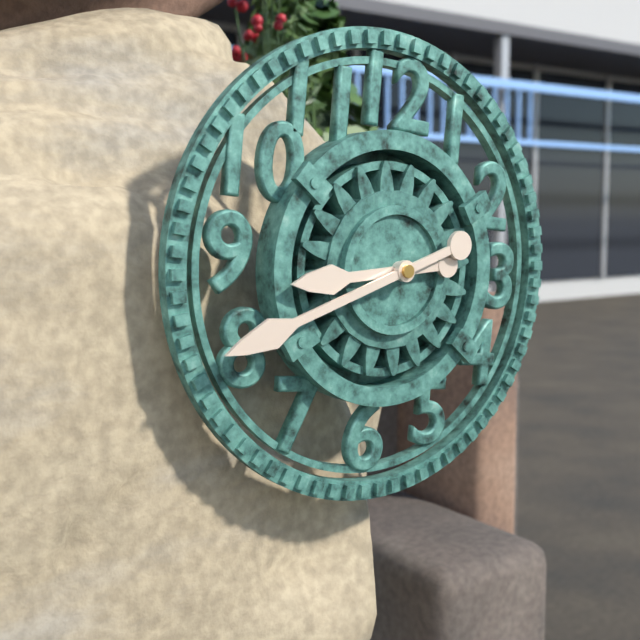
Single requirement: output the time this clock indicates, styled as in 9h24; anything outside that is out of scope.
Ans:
8h41
